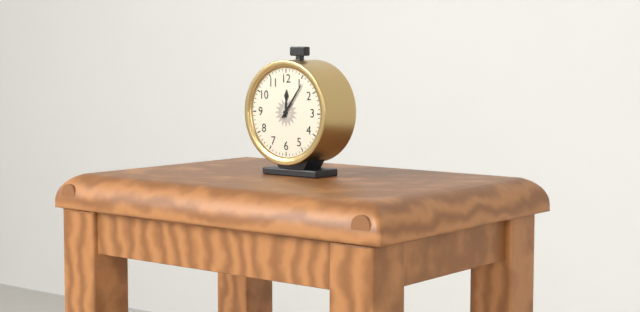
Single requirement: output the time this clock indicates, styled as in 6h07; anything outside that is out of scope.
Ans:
12h06
